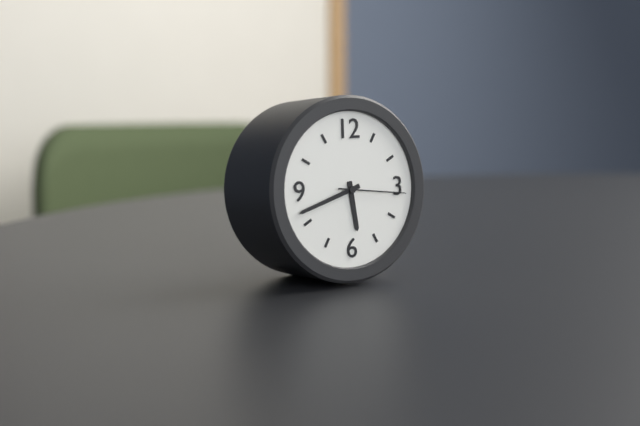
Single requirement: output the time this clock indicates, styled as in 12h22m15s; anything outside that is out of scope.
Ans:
5h42m16s
